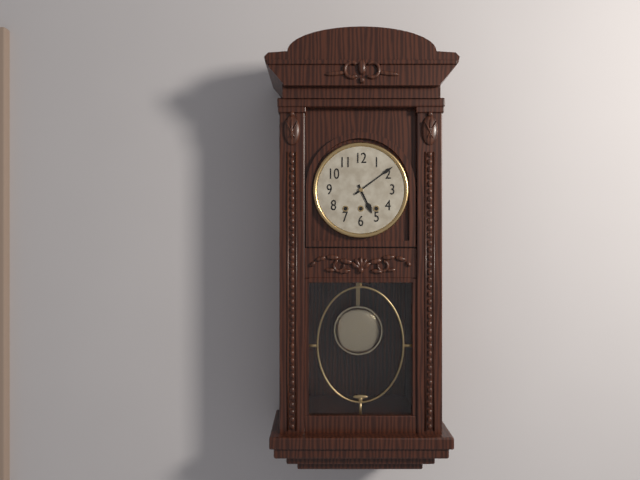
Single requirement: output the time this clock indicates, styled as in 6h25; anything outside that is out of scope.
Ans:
5h09
